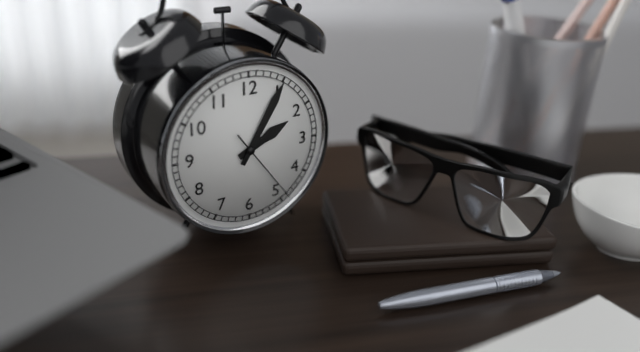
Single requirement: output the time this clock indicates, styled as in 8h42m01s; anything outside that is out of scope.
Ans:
2h05m24s
